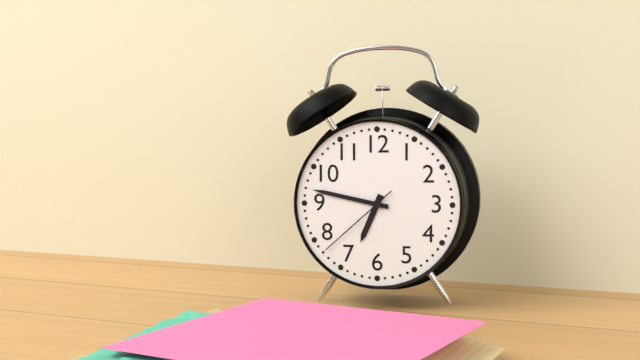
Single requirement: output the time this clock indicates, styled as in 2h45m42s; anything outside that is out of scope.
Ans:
6h47m38s
